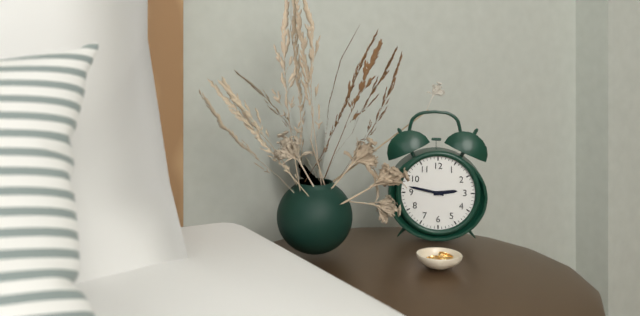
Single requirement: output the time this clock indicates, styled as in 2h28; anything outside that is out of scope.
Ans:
2h47
